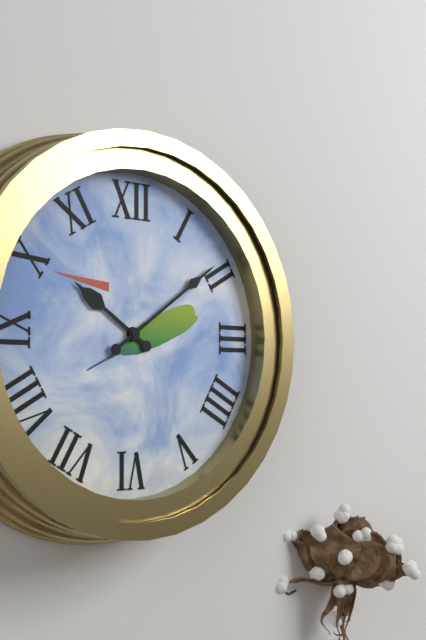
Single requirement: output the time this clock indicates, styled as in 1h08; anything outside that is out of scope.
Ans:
10h09
